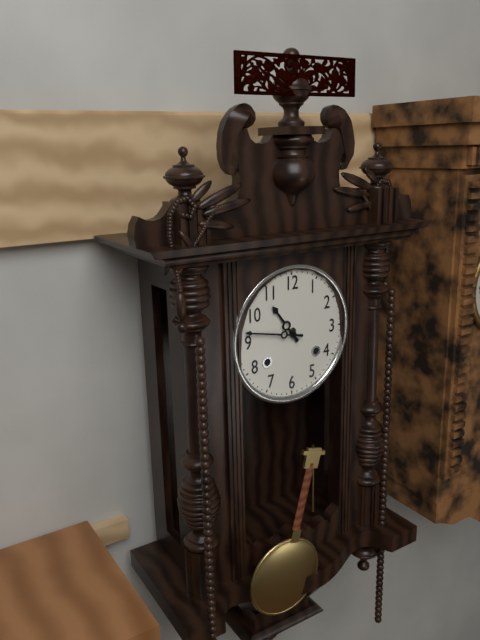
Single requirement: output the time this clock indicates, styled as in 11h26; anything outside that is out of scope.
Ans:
10h47
